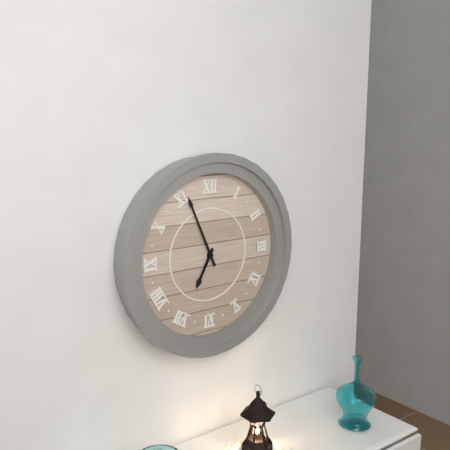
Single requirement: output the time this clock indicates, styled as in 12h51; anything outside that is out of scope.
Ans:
6h56
